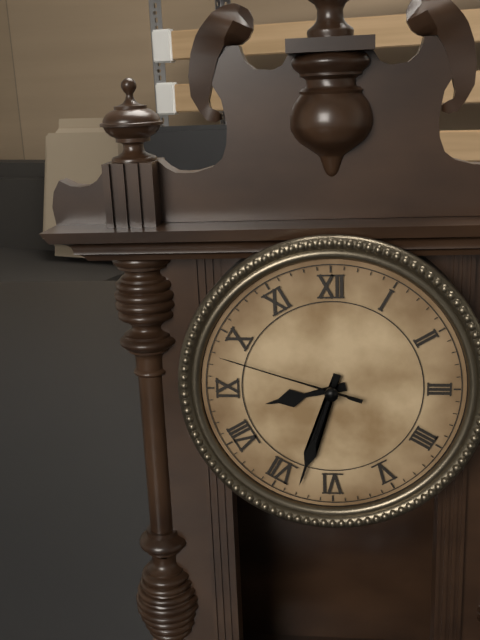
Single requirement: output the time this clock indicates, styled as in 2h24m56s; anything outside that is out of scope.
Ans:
8h33m48s
